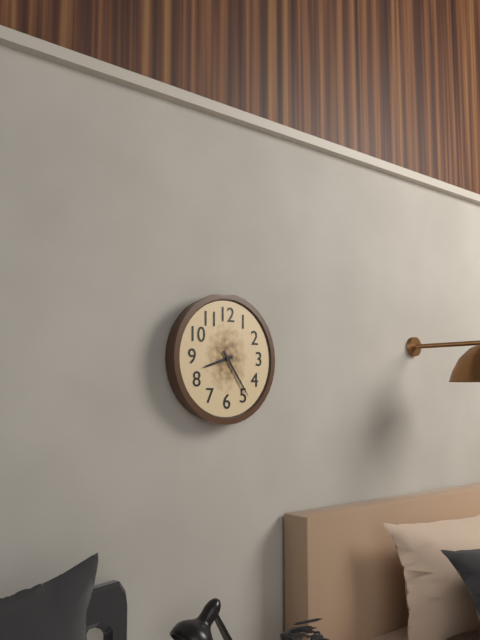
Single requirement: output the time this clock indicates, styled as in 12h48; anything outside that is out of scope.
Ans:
8h24
